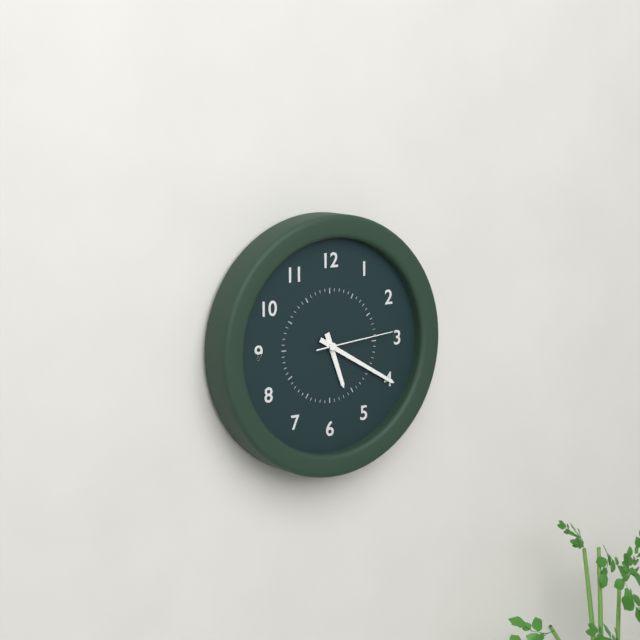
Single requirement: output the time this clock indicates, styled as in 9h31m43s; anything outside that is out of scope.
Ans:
5h20m14s
